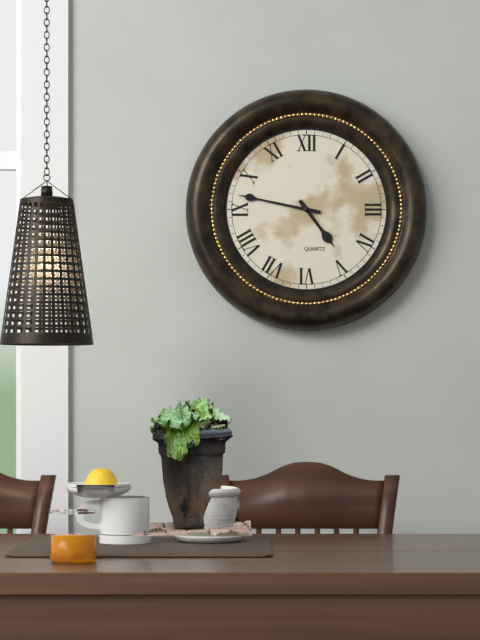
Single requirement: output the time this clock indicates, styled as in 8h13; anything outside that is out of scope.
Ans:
4h47
